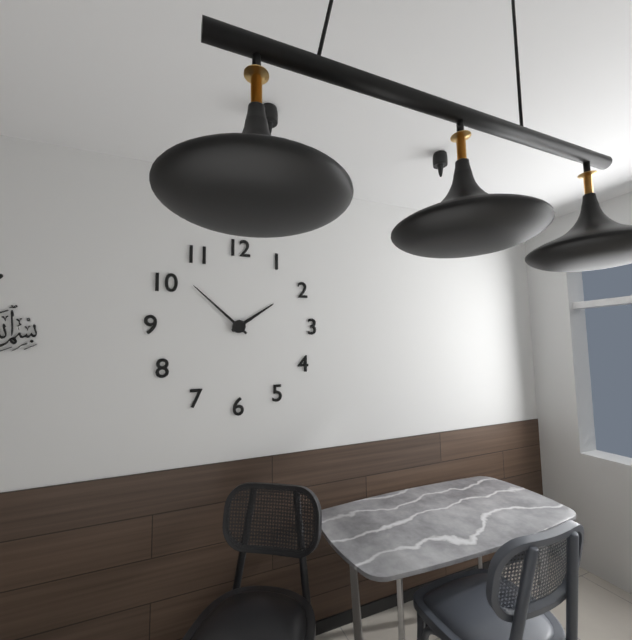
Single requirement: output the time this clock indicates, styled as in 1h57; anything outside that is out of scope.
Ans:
1h52
